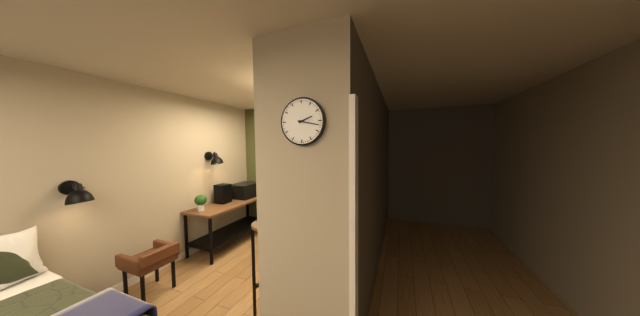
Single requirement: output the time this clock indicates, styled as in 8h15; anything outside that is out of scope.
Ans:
2h17
